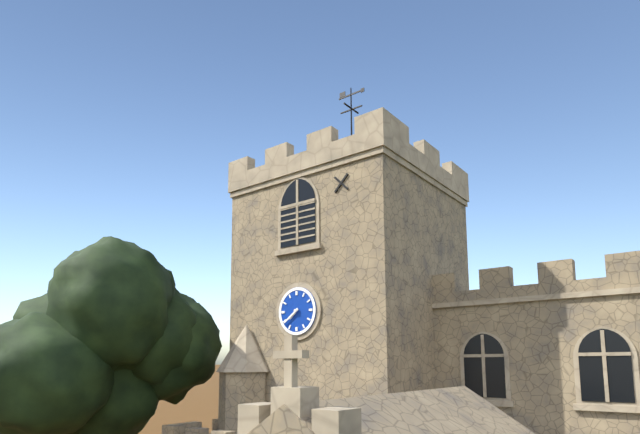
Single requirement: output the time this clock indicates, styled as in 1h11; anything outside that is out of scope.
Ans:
7h39
